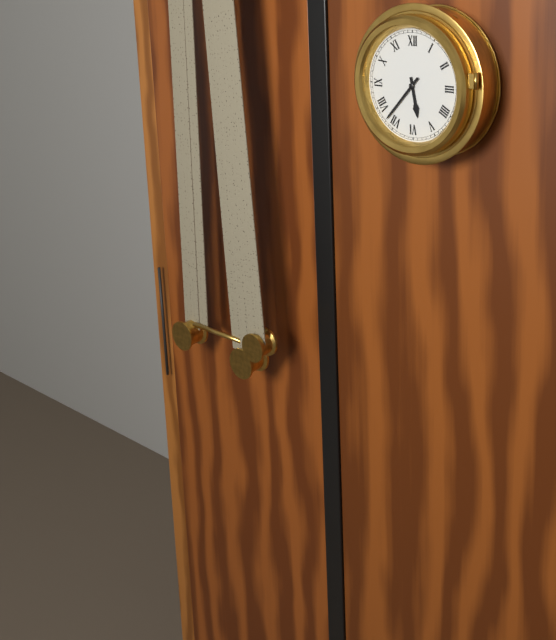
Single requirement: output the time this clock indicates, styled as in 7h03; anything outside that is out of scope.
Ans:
5h37
